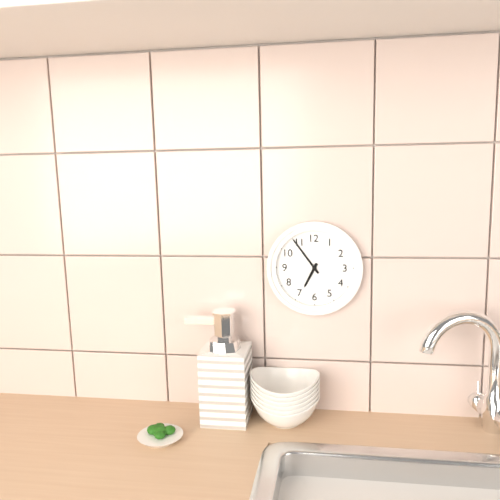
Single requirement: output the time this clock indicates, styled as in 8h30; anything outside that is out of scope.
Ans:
6h54
